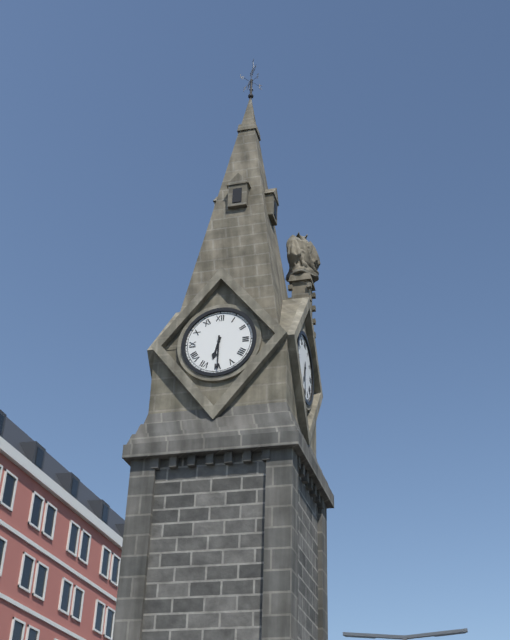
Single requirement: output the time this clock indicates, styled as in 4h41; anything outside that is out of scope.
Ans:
6h30
